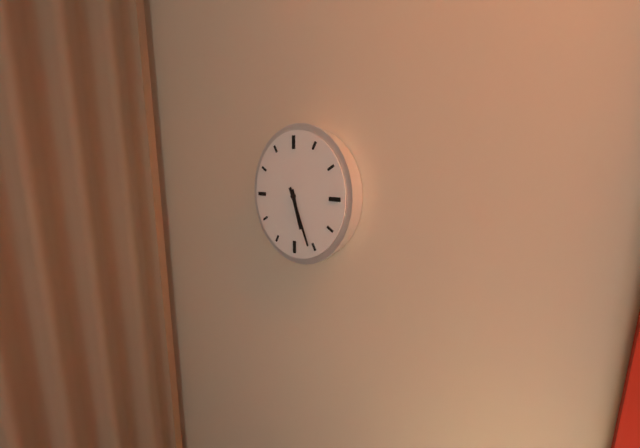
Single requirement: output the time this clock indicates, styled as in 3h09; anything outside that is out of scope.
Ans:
5h26
